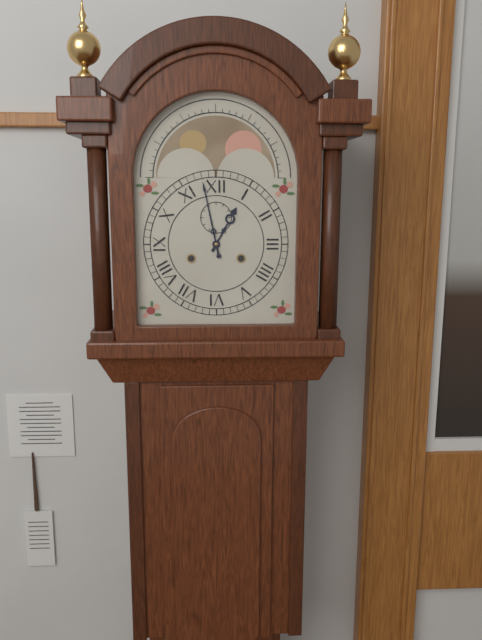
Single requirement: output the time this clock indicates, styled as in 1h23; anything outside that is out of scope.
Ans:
12h58
